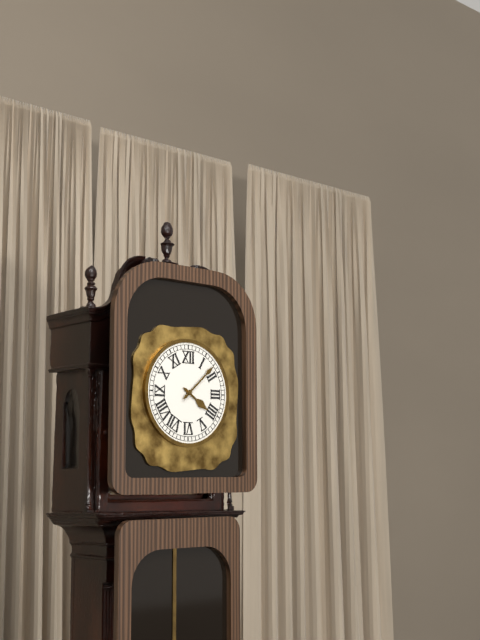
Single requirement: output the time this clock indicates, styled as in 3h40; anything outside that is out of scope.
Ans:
4h08
